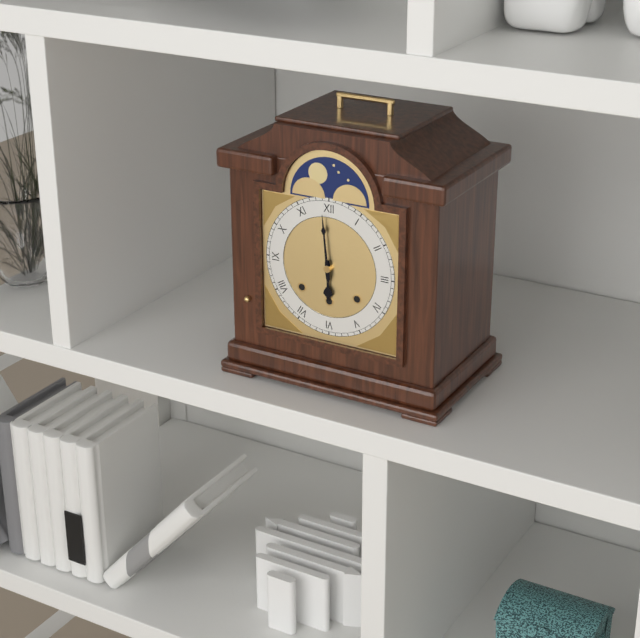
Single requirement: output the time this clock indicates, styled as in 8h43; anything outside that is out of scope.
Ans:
5h59
